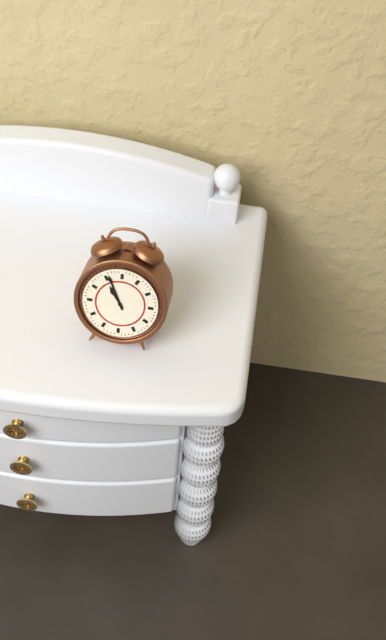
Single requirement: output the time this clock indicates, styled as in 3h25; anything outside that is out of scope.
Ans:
10h56
